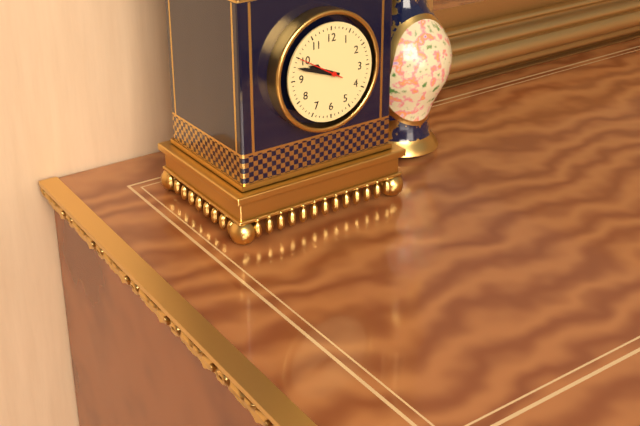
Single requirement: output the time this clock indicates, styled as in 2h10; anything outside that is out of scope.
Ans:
9h48
